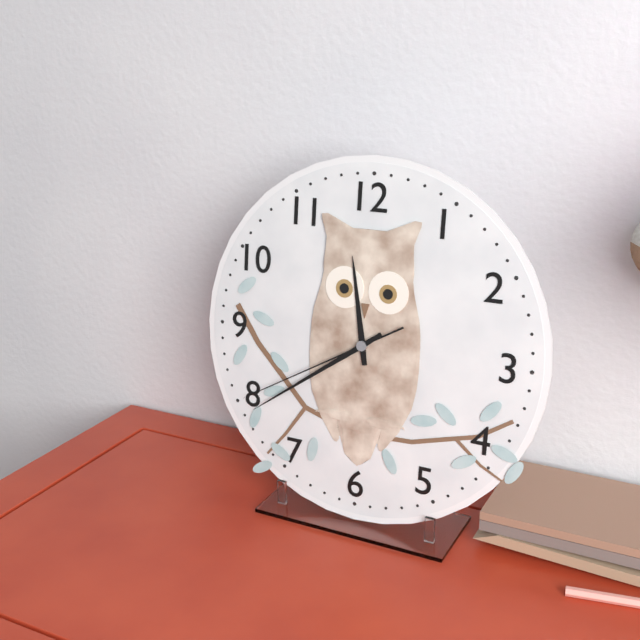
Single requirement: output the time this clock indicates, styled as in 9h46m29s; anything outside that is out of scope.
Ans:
11h39m40s
